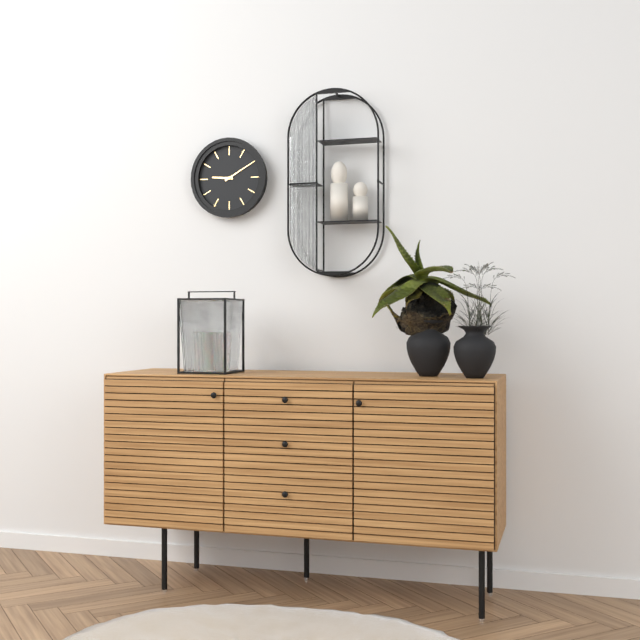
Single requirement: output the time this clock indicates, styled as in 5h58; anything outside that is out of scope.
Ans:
9h10
